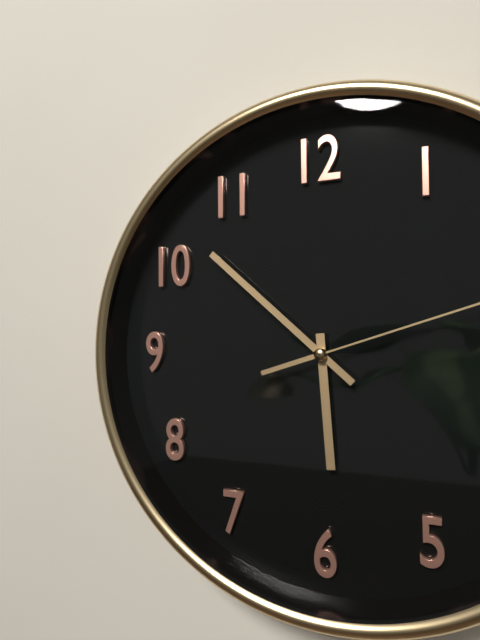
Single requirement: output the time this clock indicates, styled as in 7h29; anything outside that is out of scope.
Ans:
5h52
